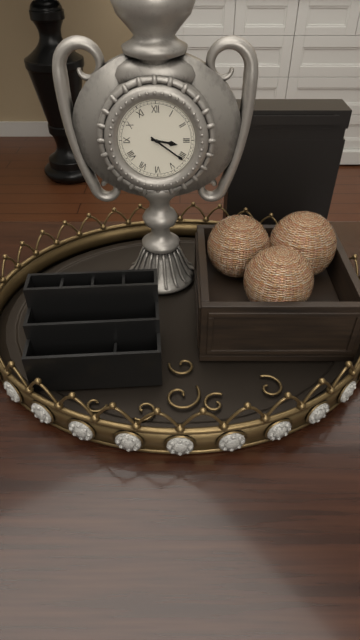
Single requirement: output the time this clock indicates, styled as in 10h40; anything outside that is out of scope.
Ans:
3h21
